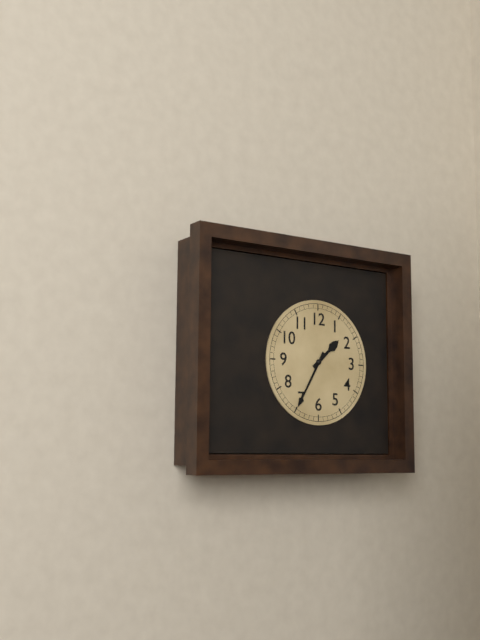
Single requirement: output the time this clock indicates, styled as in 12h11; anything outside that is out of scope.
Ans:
1h35
